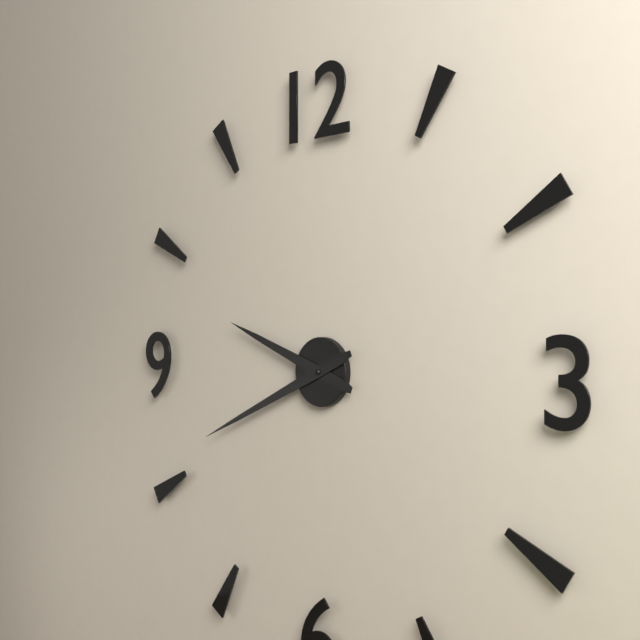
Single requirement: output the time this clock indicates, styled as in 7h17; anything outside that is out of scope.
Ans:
9h41
